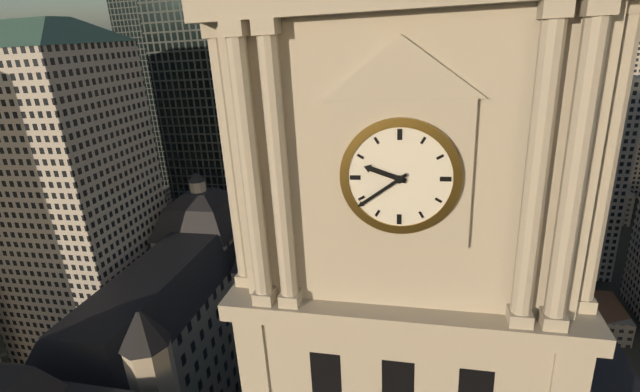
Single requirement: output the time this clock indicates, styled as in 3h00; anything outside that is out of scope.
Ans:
9h39
